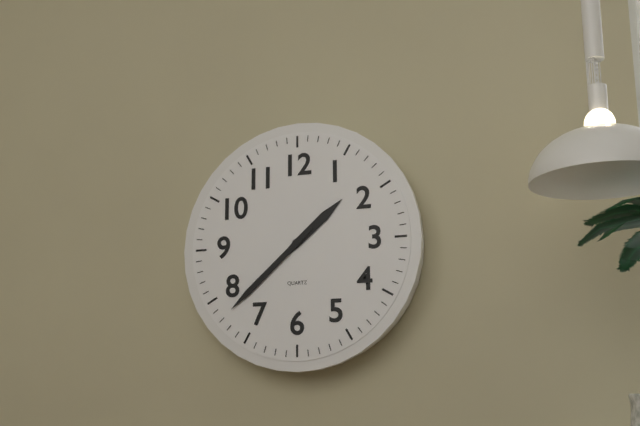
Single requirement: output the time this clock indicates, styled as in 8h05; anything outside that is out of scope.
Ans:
1h38
